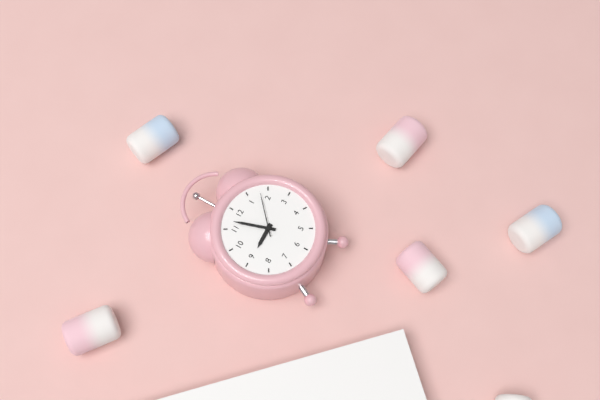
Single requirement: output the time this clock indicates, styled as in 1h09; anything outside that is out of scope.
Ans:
8h57
